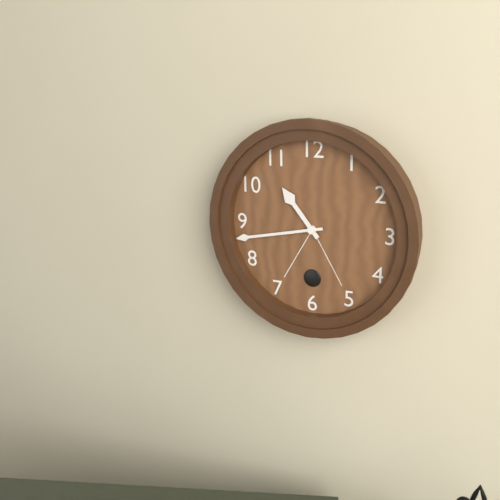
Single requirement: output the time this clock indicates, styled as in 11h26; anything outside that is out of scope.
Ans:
10h43
